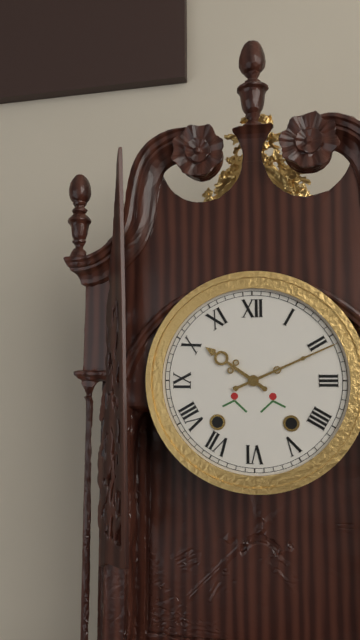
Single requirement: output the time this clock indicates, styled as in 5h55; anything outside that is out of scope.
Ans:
10h11
